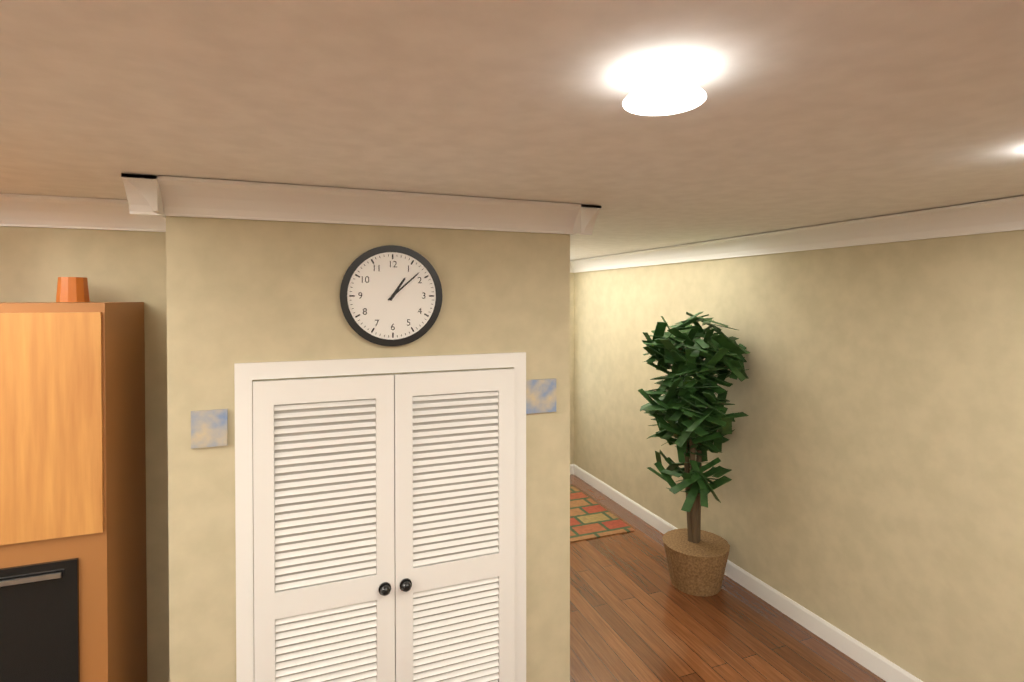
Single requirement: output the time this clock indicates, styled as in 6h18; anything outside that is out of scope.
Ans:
1h08
